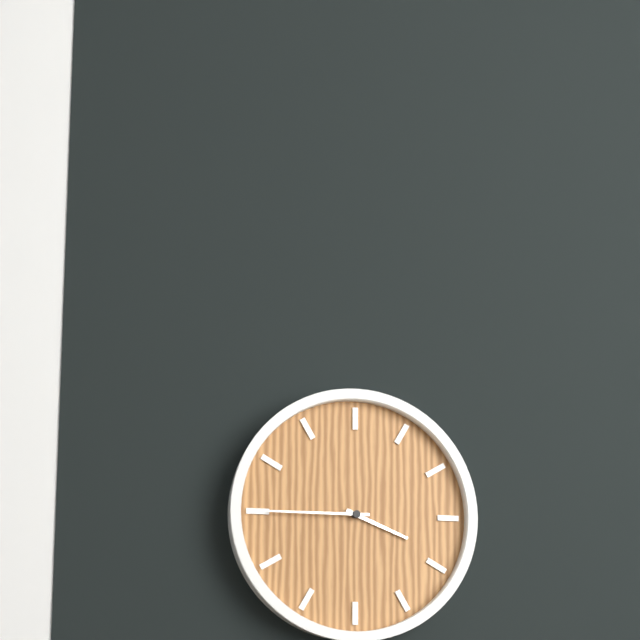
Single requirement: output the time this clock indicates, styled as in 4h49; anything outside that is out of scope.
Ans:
3h45
